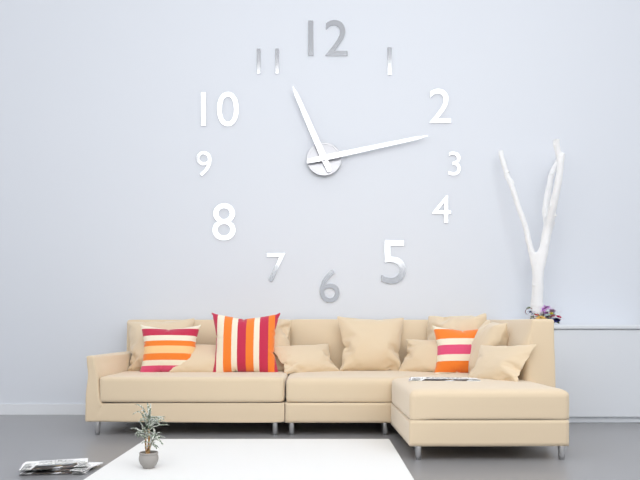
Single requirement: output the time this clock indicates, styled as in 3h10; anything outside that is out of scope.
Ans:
11h13
